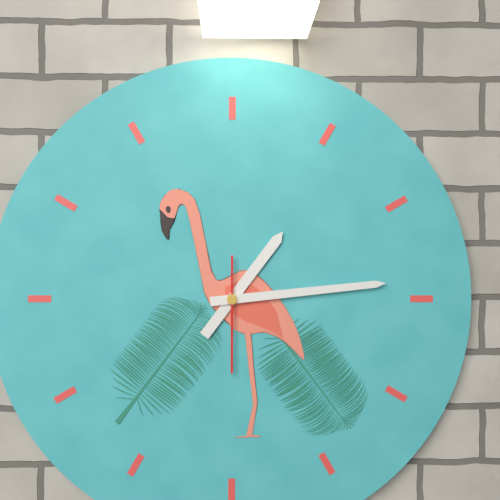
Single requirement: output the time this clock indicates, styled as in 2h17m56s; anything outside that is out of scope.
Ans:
1h14m30s
